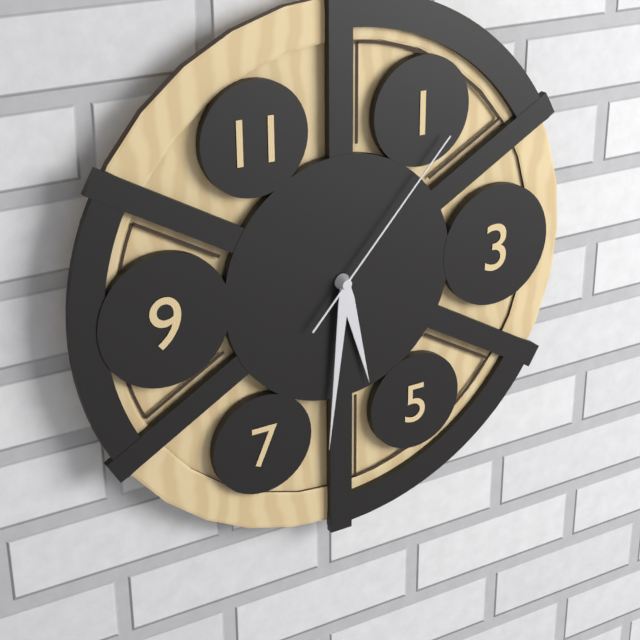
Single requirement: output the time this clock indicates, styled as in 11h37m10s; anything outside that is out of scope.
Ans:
5h31m07s
